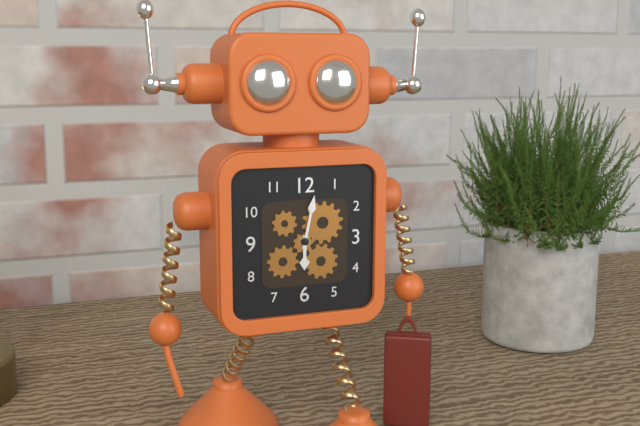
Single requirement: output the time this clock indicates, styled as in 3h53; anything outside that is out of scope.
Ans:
6h02
